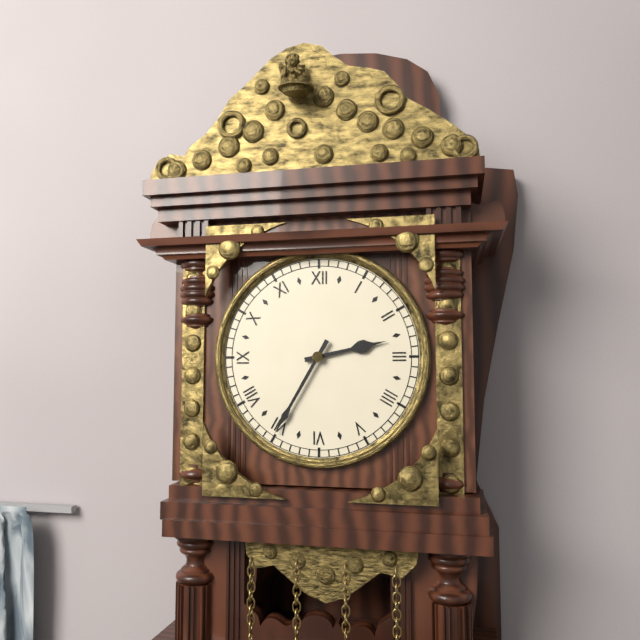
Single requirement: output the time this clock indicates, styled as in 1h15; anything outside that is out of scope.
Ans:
2h35
